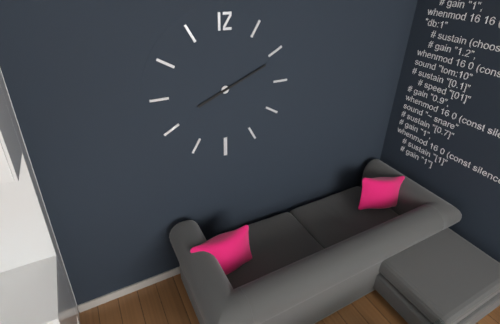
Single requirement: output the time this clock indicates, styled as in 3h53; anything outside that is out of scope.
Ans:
8h11
